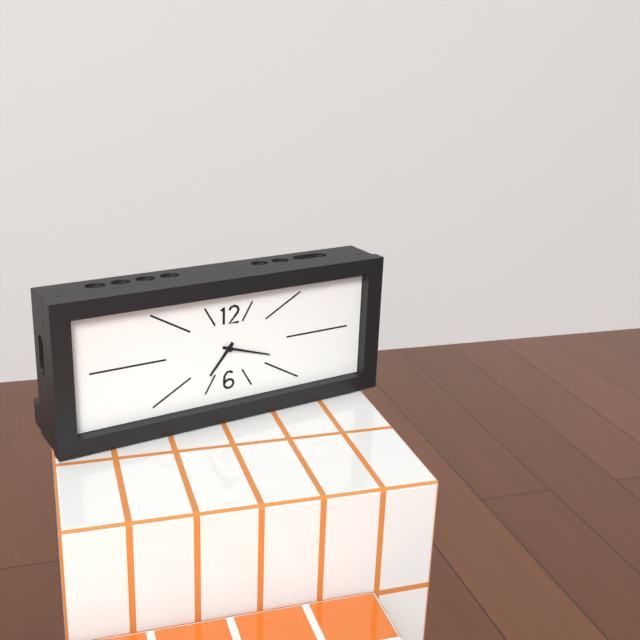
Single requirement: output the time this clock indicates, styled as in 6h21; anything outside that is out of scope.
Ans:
7h18
